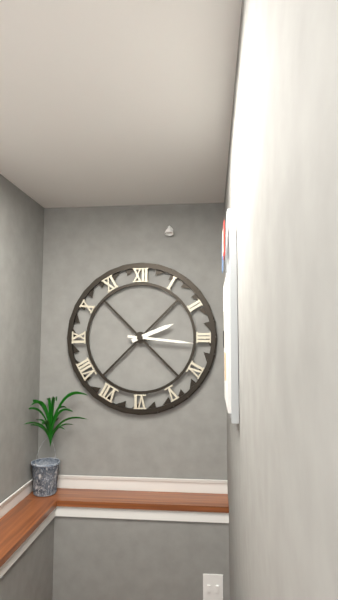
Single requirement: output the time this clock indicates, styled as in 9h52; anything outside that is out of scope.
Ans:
2h16
